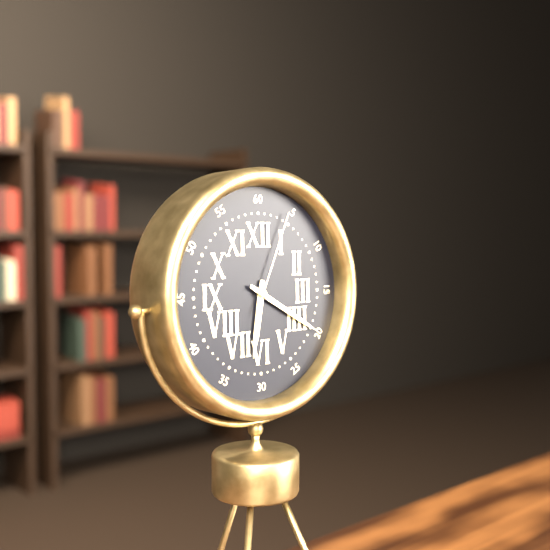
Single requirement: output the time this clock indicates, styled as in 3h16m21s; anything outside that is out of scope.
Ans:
6h20m04s
